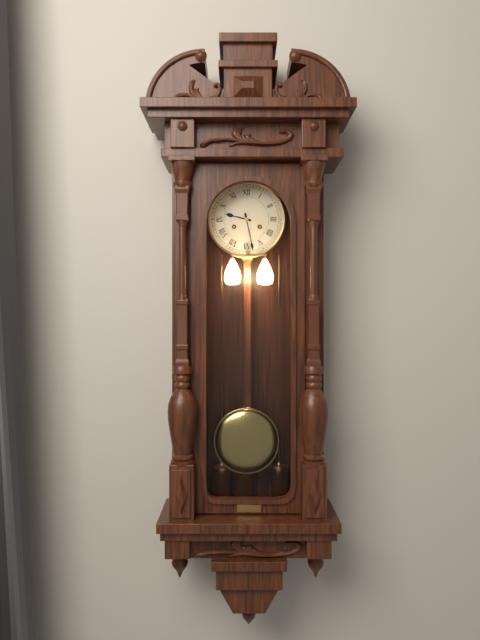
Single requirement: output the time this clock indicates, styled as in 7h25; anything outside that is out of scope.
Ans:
9h28
